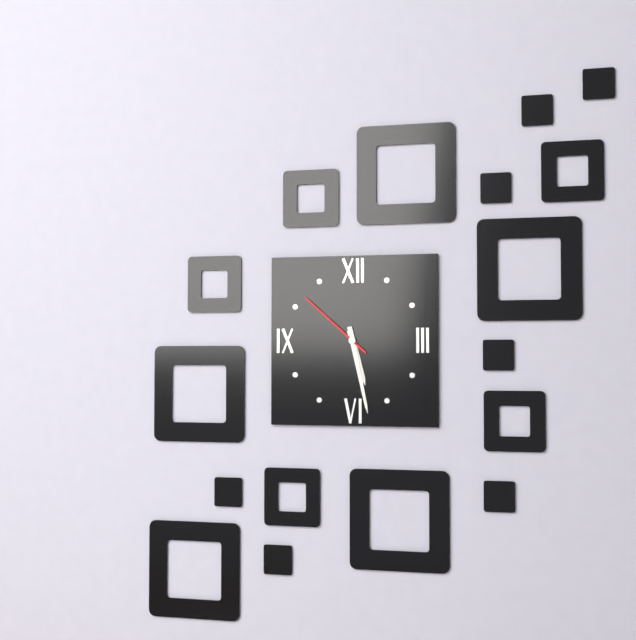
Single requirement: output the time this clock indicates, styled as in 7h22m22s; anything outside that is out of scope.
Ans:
5h28m52s
